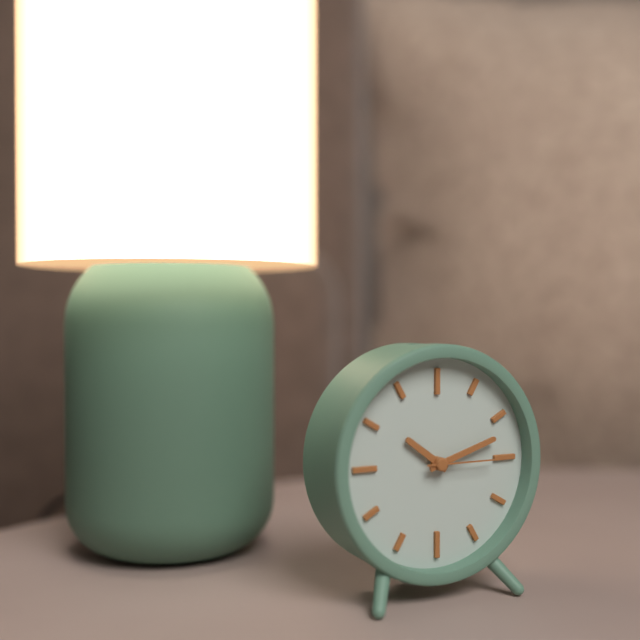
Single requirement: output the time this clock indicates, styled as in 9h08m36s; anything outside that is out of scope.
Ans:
10h12m15s
